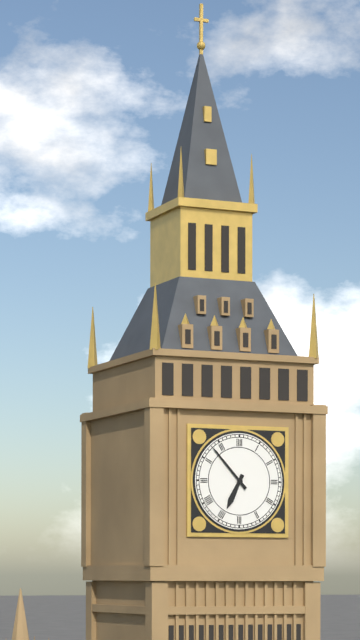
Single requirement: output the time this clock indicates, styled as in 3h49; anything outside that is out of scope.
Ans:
6h53
